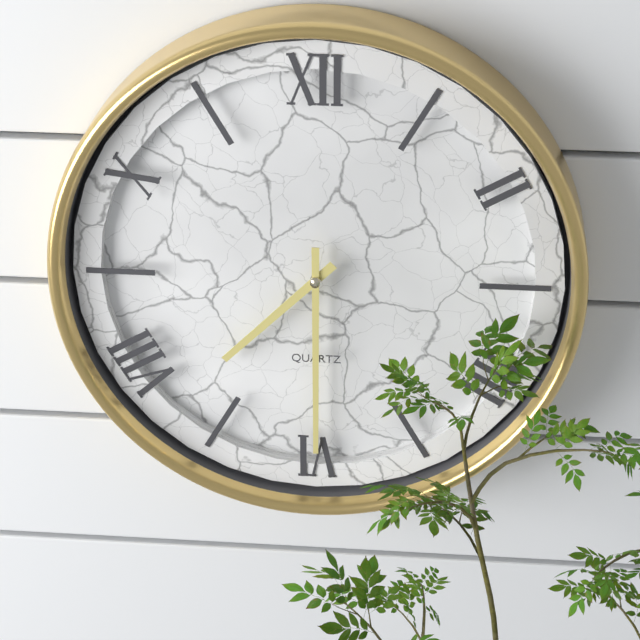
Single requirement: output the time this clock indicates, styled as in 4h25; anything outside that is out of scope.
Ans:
7h30
